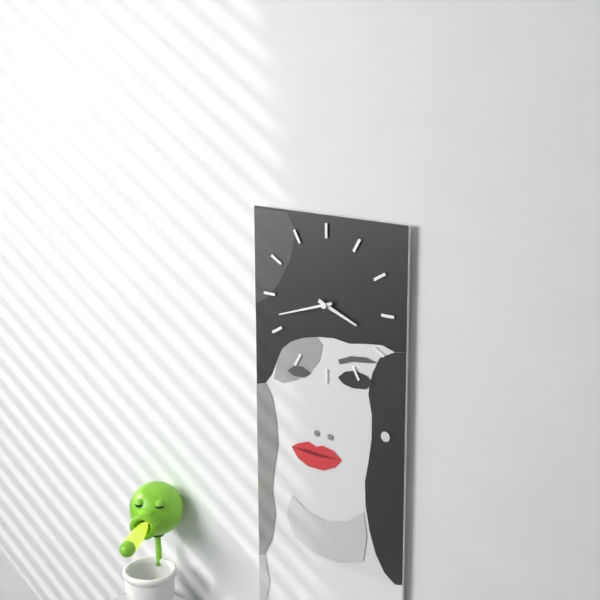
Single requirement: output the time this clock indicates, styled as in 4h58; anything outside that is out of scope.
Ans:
3h42
